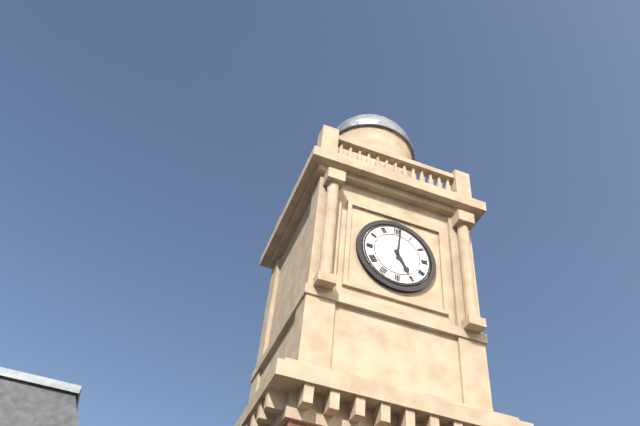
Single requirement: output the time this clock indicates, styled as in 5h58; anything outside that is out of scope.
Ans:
5h01
